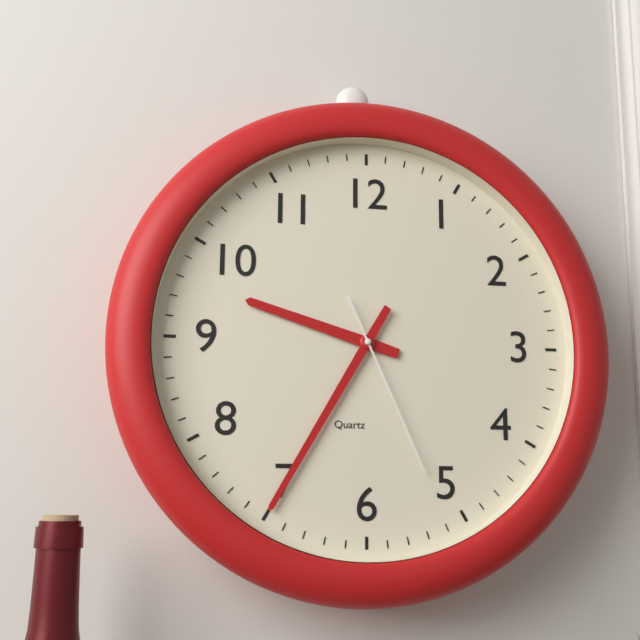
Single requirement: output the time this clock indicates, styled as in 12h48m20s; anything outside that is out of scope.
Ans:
9h35m26s
